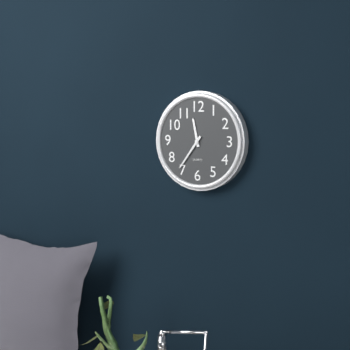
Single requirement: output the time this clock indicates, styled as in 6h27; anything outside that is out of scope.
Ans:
11h36
